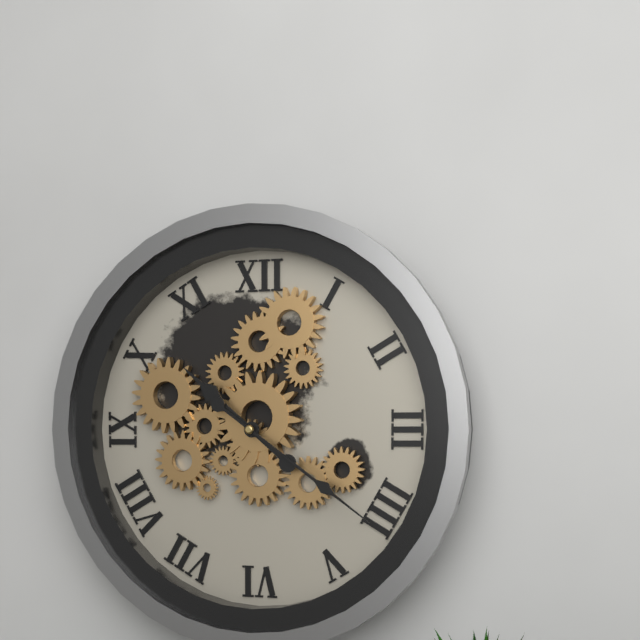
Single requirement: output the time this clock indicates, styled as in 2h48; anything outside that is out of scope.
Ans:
10h21
